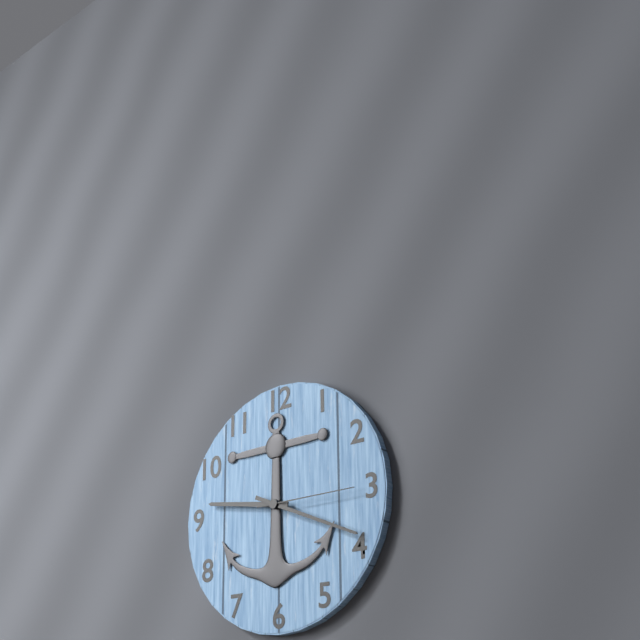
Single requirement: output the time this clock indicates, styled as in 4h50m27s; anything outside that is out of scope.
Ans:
9h19m15s
